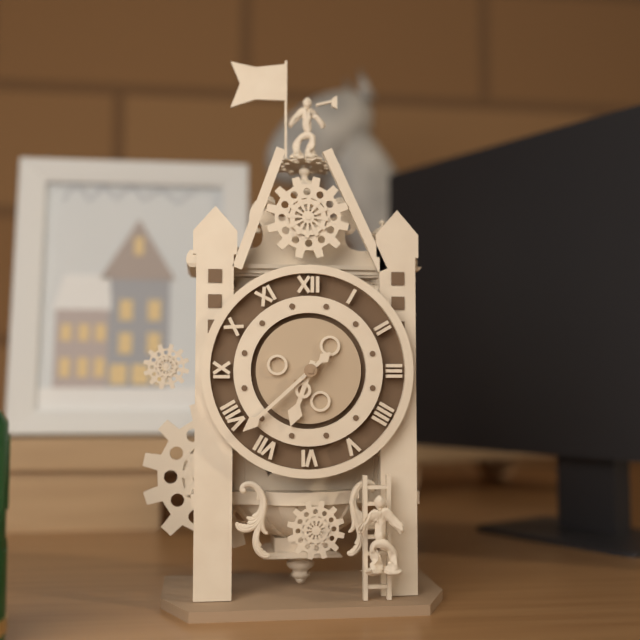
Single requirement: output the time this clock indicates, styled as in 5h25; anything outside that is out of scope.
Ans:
6h38
